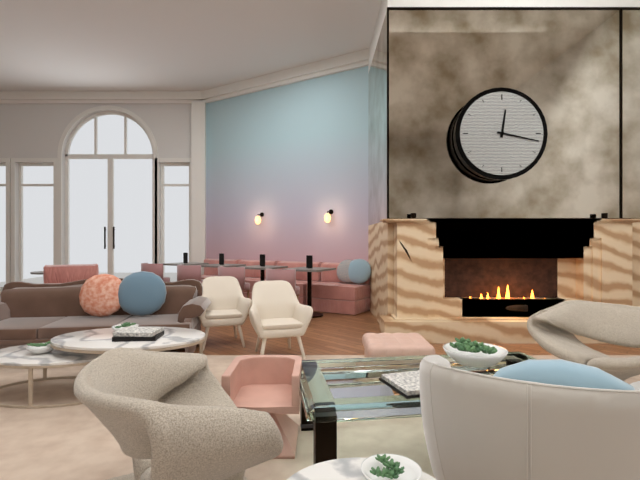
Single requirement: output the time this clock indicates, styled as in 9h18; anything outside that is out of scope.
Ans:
12h17
